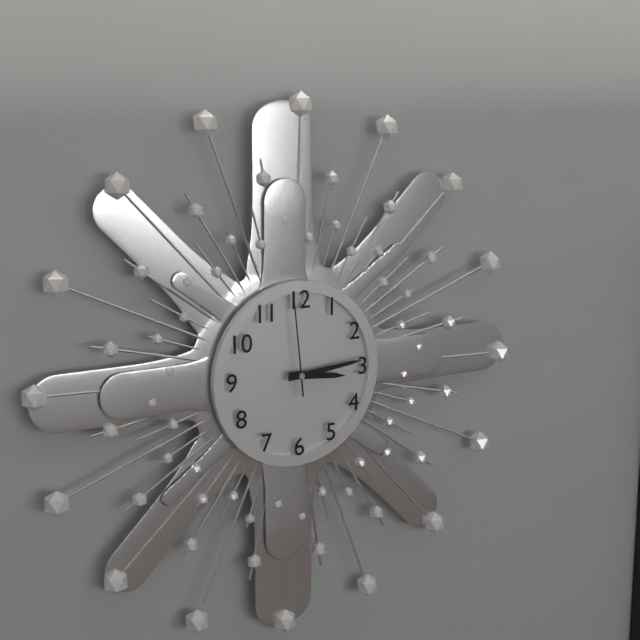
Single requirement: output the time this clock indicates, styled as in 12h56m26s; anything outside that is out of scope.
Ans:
3h14m59s
